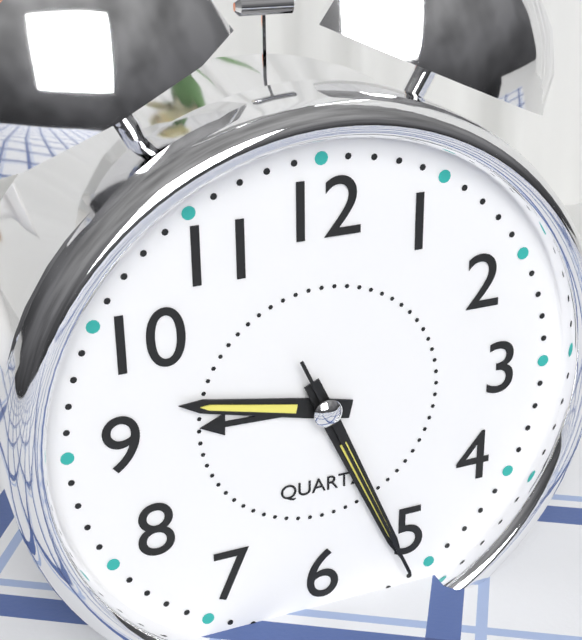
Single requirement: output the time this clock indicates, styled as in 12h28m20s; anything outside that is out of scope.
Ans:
9h26m26s
